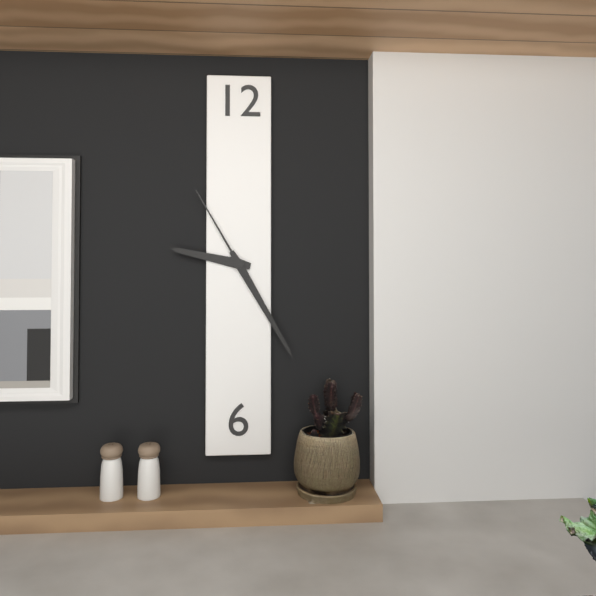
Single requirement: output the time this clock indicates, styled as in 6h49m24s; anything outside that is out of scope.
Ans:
9h25m55s
